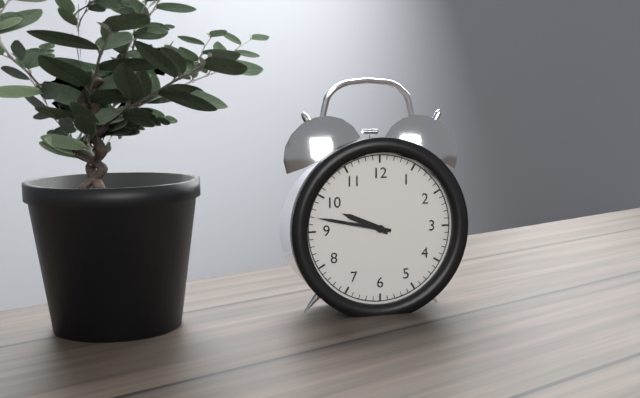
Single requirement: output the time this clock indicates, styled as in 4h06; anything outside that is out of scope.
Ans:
9h47
